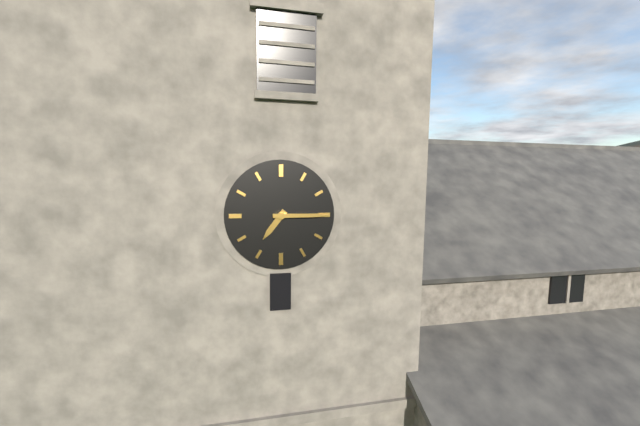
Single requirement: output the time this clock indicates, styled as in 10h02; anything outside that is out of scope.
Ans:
7h15
